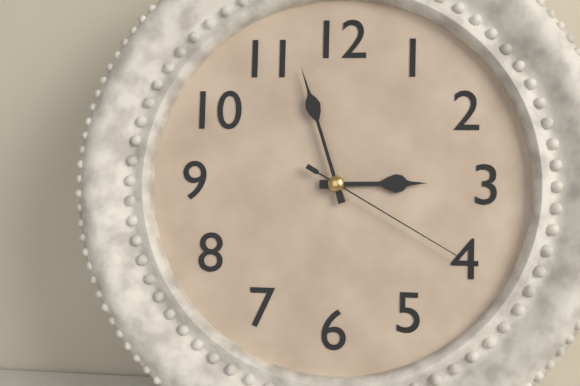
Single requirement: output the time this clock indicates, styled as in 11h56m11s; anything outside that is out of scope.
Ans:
2h57m20s
